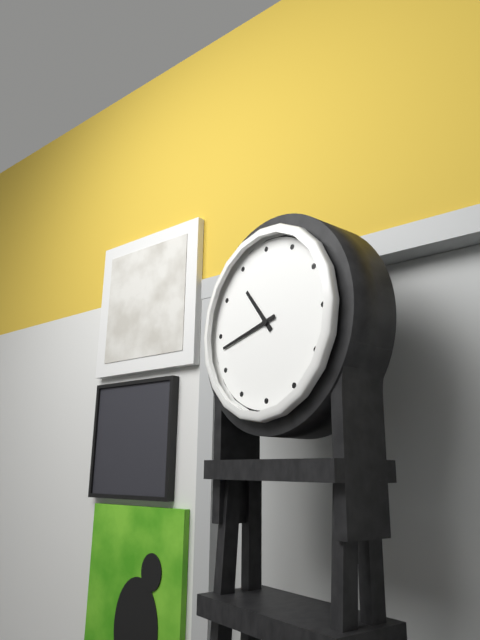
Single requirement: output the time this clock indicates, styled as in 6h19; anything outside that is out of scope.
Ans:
10h43
